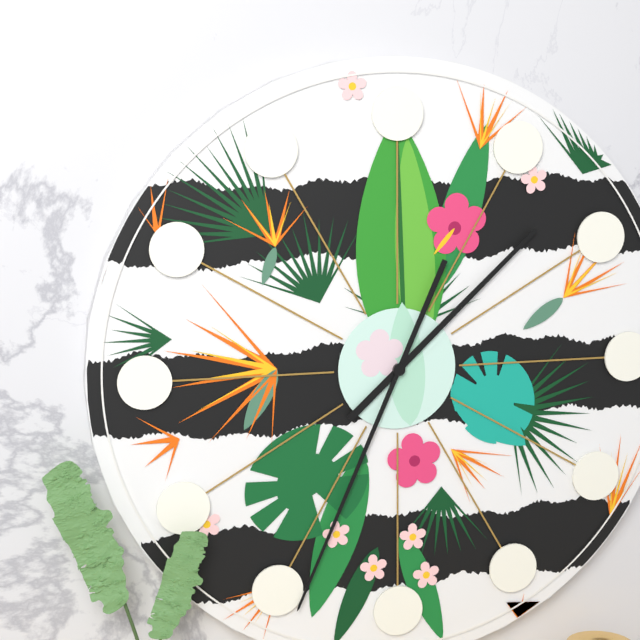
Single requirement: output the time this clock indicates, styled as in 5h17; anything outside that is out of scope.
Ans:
1h34
